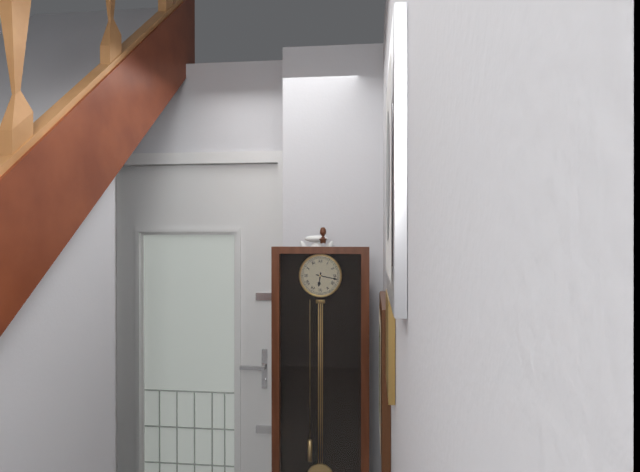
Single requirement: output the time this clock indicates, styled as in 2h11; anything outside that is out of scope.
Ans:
6h17
